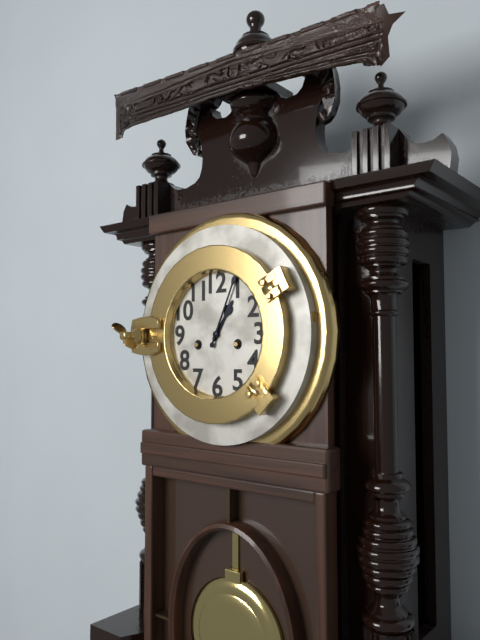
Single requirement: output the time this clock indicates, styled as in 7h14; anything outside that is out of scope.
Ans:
1h04
